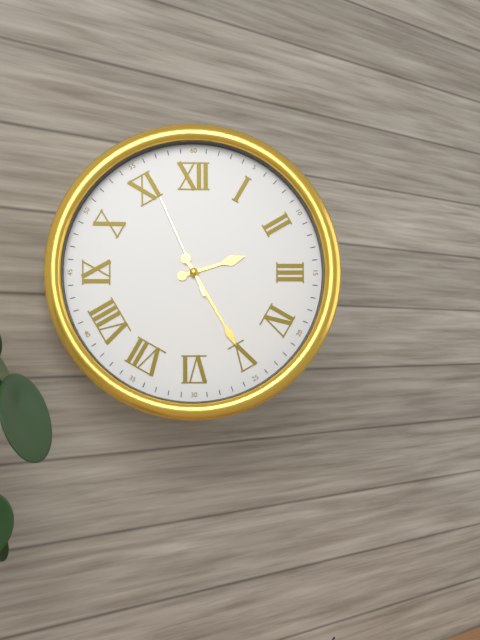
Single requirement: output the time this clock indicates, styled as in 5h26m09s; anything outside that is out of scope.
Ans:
2h25m56s
